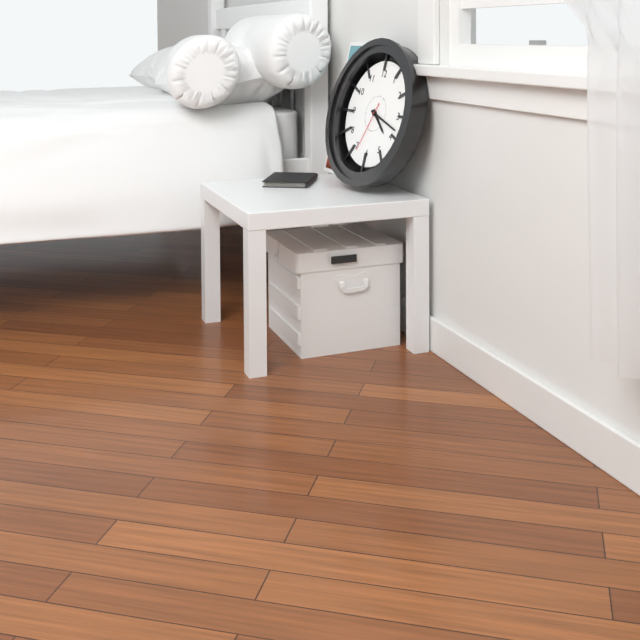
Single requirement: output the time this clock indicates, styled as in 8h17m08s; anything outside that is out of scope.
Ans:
4h18m34s
